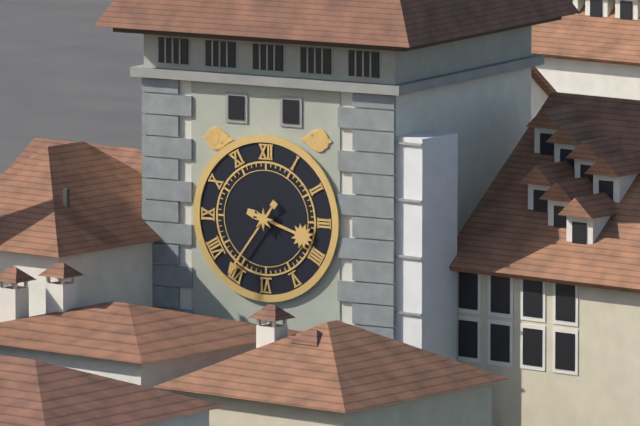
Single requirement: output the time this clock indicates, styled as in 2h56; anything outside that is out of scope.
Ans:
3h36
